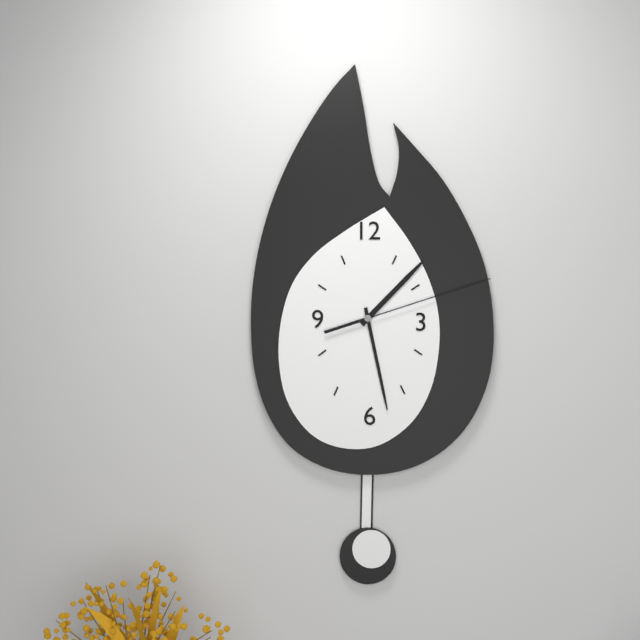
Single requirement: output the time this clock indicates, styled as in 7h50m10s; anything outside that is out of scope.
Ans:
1h28m12s
